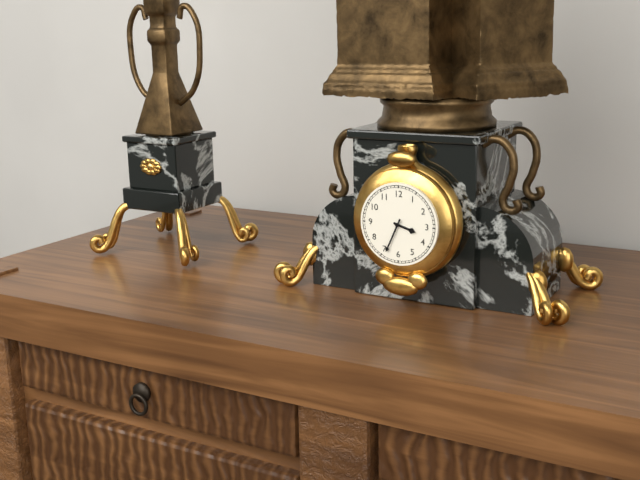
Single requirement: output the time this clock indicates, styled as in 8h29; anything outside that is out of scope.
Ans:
3h34
